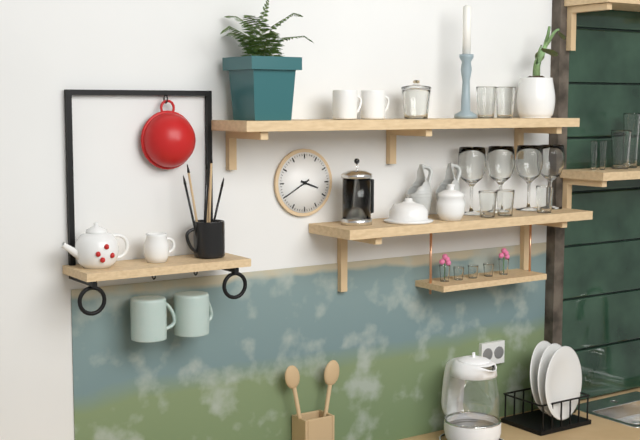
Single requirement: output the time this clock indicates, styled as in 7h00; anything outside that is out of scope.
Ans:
3h40
